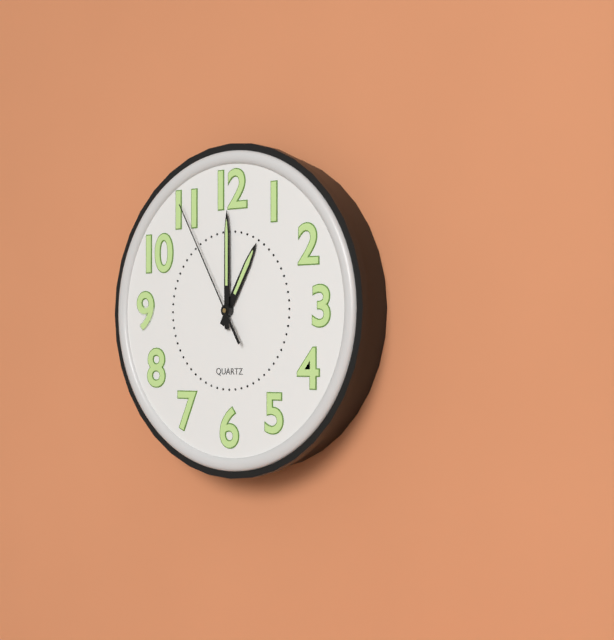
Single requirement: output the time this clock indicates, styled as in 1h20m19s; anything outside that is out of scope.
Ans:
1h00m55s
